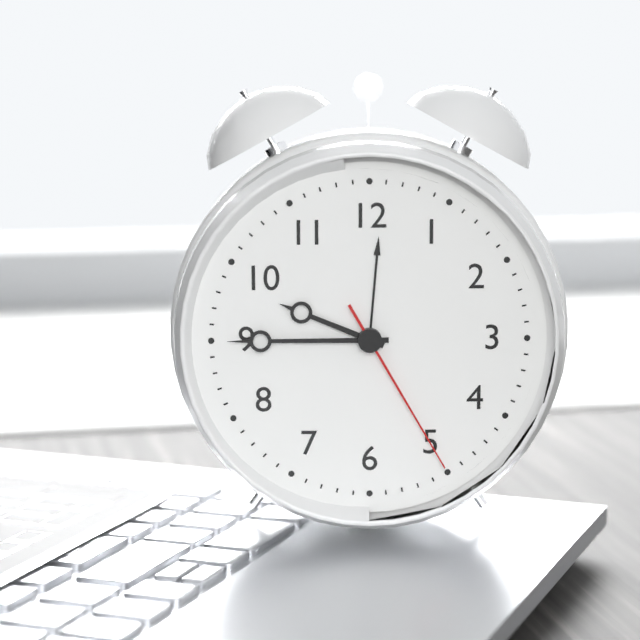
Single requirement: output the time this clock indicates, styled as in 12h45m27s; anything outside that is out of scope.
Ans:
9h45m25s
